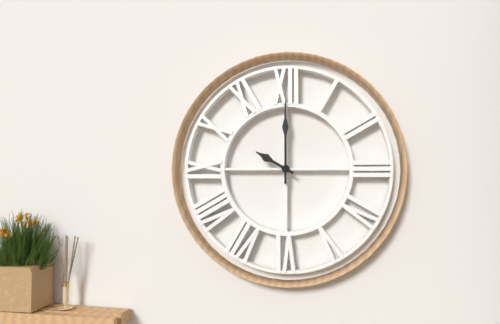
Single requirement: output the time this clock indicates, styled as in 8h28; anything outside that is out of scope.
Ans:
10h00
